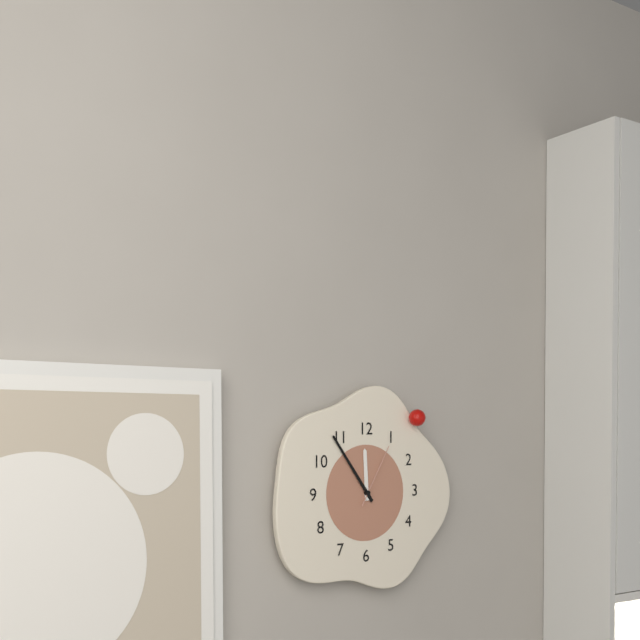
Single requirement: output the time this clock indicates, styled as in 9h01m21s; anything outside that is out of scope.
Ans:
11h54m05s
